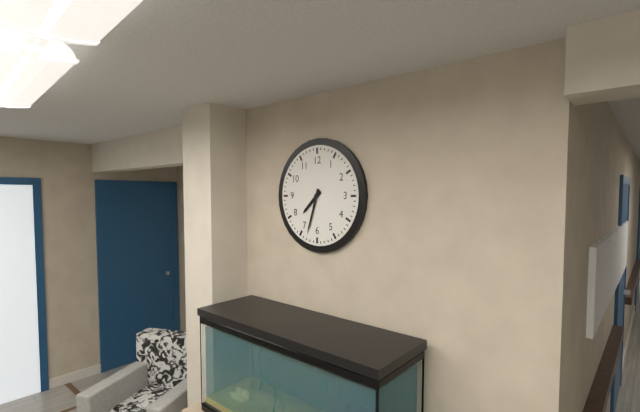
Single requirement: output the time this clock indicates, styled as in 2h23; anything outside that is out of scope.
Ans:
7h33
